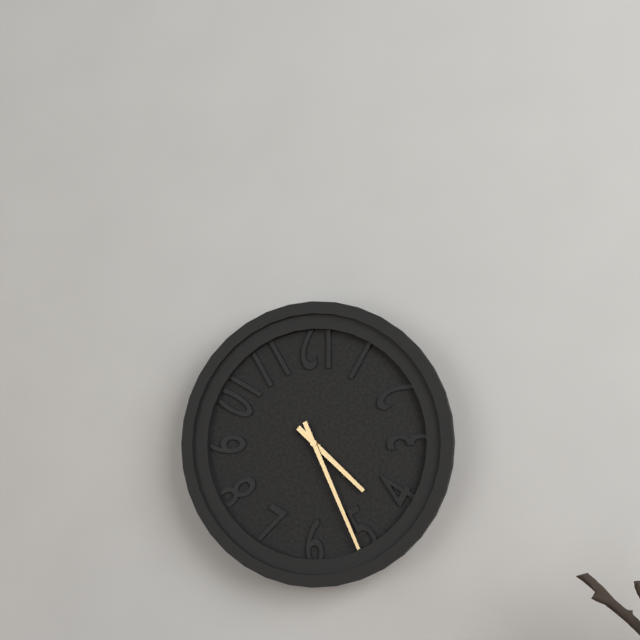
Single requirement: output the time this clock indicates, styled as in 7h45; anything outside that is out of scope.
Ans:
4h26
